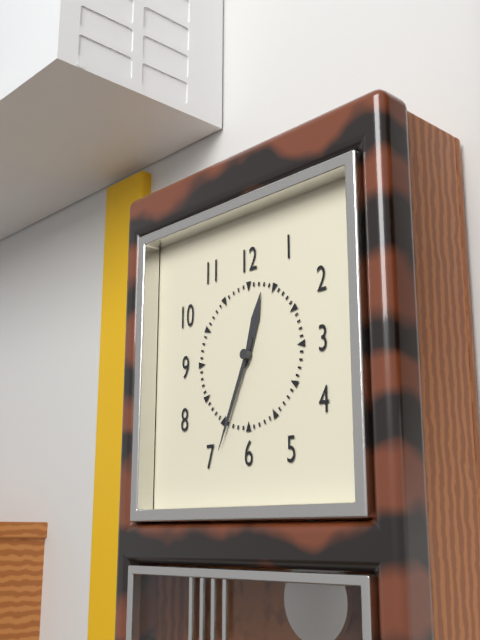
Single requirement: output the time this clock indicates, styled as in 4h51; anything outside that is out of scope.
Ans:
12h34
